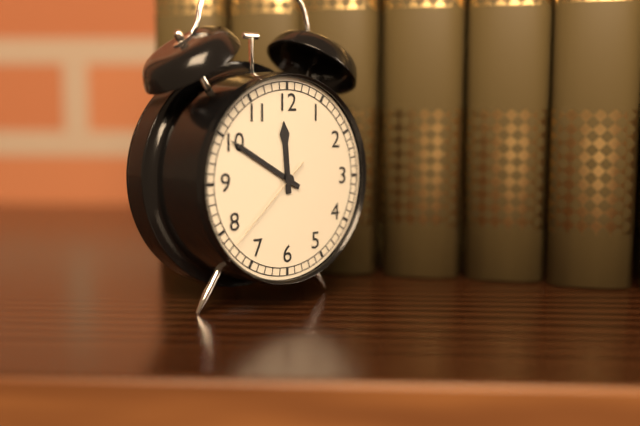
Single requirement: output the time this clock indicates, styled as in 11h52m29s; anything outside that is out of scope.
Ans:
11h50m38s
